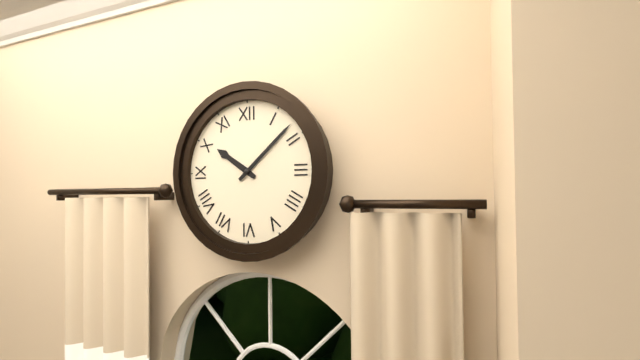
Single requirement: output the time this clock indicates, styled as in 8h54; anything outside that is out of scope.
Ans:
10h08
